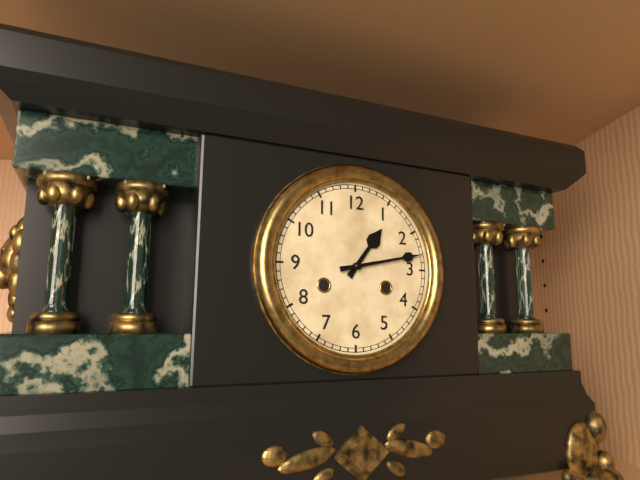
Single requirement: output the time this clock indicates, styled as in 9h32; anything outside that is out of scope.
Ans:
1h13
